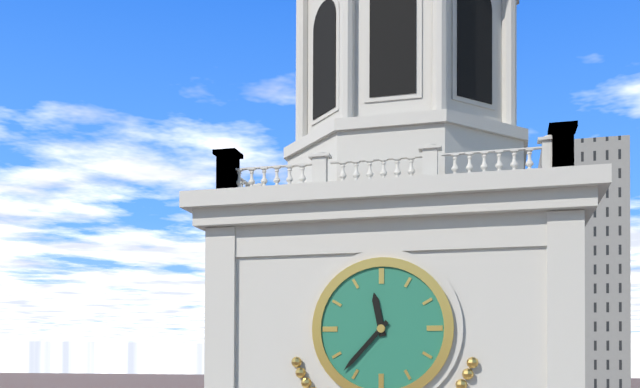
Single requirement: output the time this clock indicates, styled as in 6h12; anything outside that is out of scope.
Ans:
11h37
